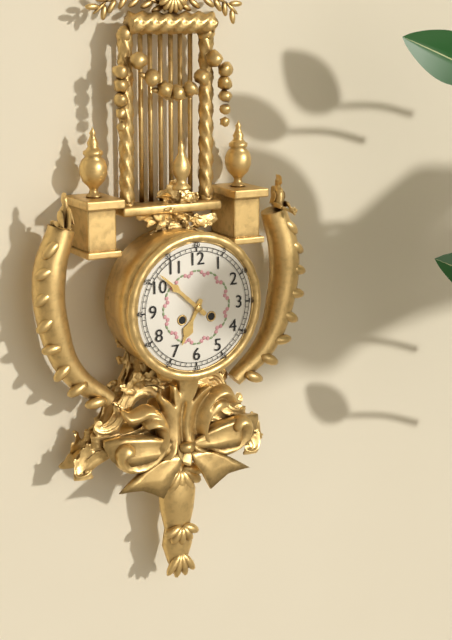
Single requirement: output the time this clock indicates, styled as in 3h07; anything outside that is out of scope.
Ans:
6h52
